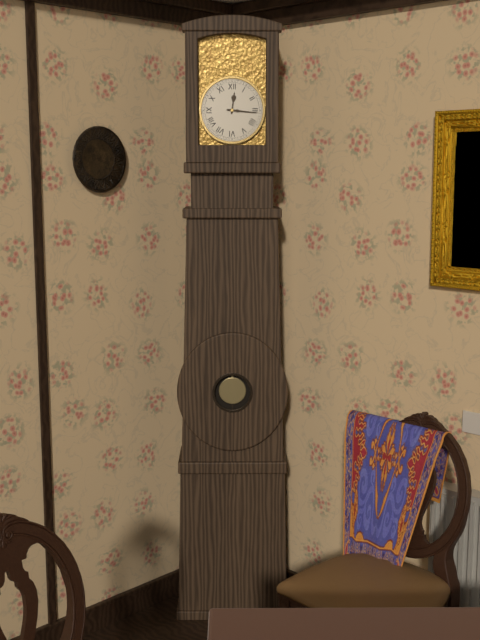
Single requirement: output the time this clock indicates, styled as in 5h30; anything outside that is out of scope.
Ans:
12h16
